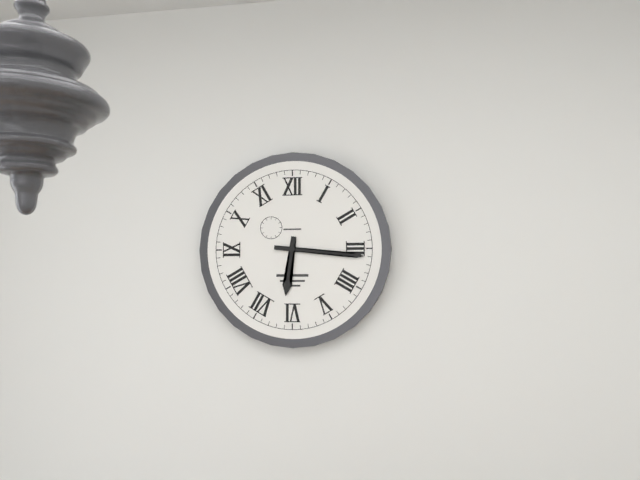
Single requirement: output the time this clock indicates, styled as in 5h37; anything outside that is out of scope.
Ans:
6h16
